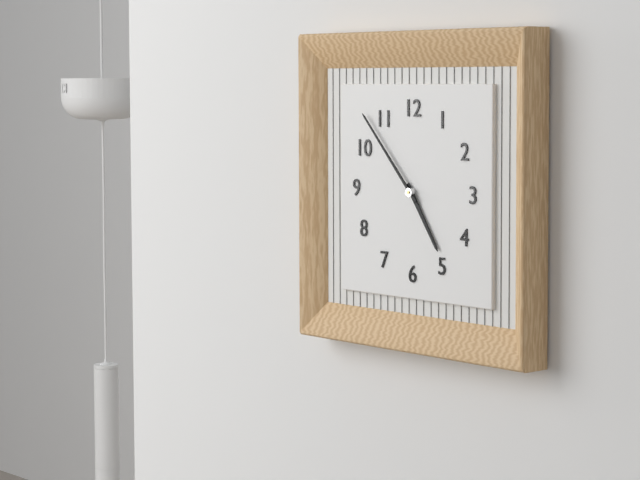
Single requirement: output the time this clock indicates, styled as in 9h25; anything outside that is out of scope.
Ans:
4h53
